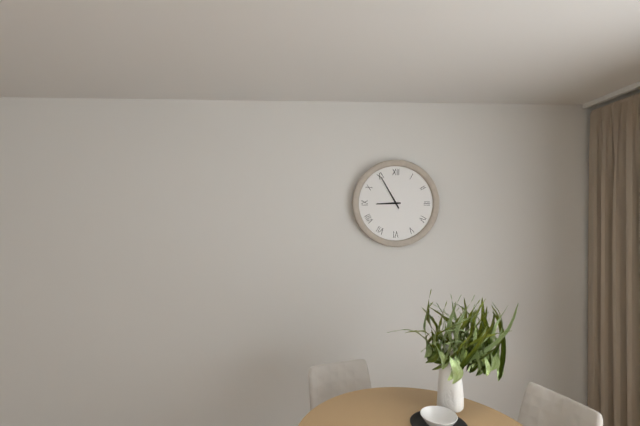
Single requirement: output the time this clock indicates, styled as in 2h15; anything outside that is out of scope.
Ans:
8h55
